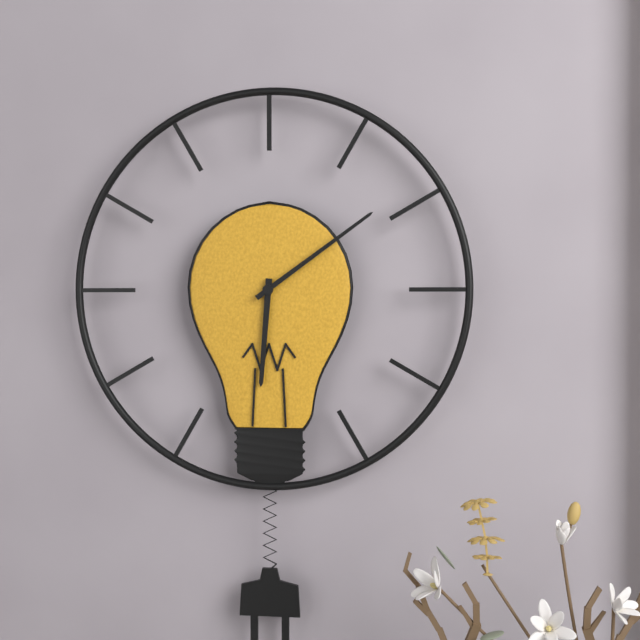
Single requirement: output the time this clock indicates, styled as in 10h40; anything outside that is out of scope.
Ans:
6h09
